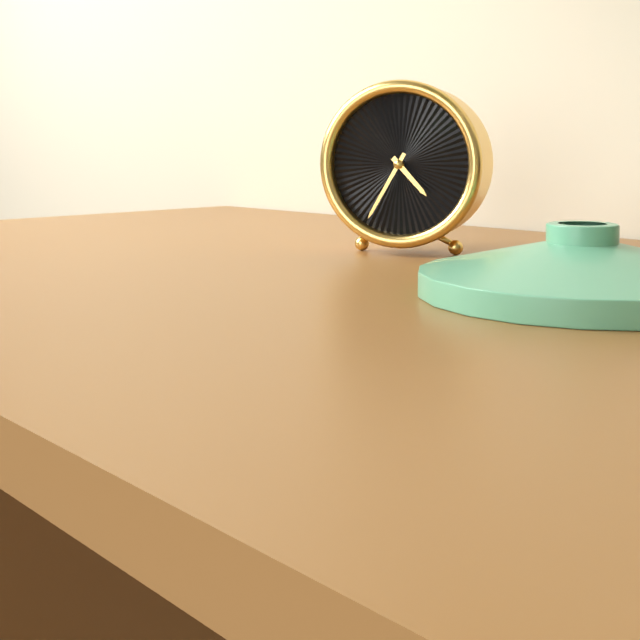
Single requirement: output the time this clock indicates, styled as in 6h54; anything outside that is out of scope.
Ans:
4h35
